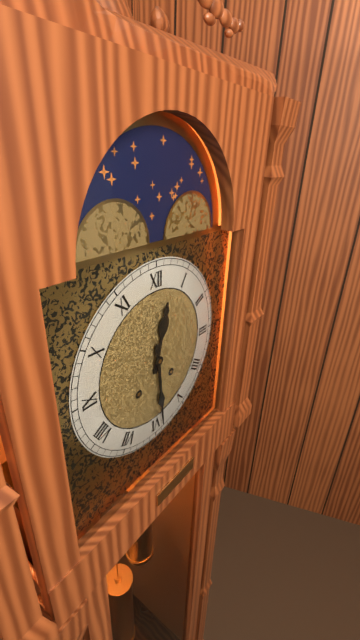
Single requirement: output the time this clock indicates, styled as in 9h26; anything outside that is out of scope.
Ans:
12h29
